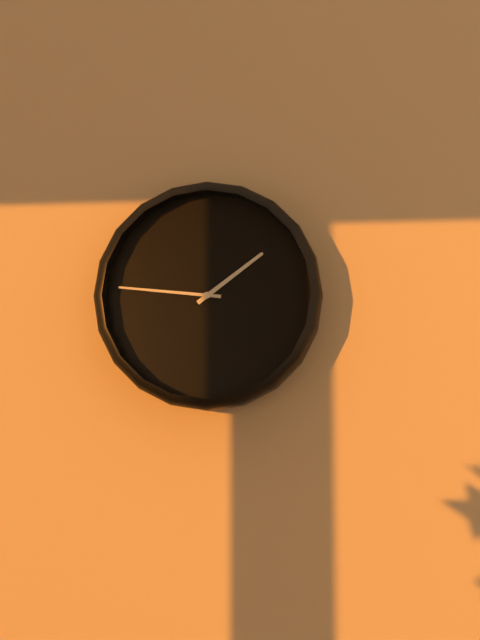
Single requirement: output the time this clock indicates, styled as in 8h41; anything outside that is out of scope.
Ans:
1h46
